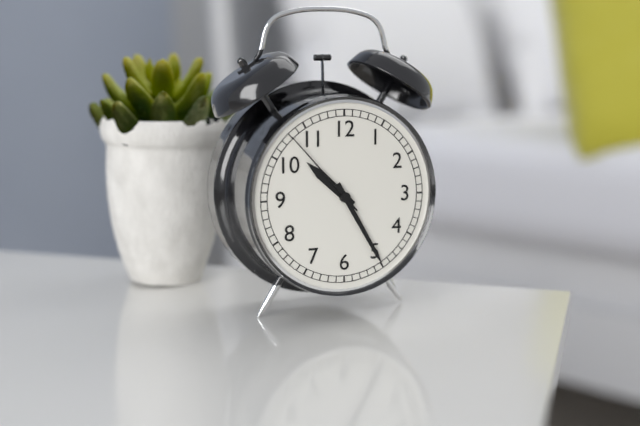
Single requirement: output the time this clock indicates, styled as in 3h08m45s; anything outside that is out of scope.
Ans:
10h25m53s
